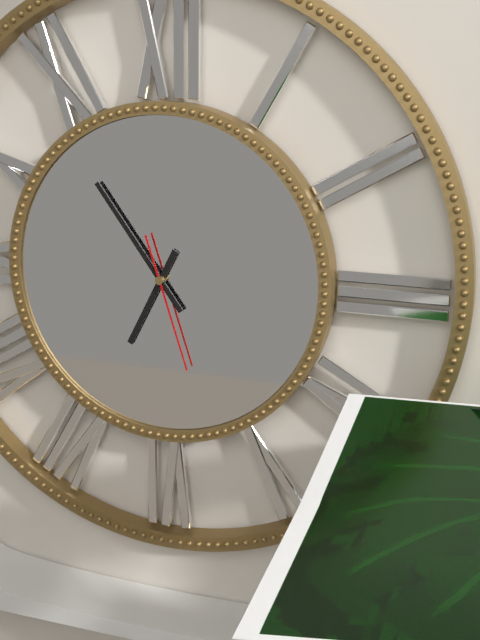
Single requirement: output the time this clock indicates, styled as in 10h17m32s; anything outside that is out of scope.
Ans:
6h54m27s
